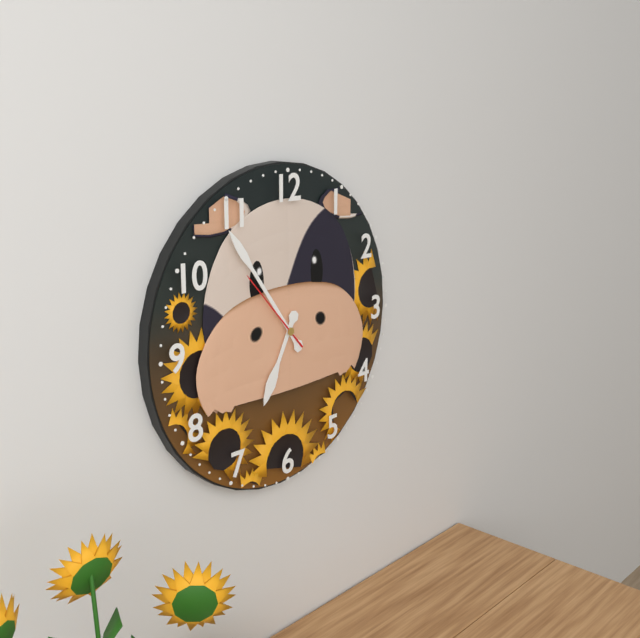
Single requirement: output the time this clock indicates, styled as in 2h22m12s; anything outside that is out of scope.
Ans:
6h54m53s
